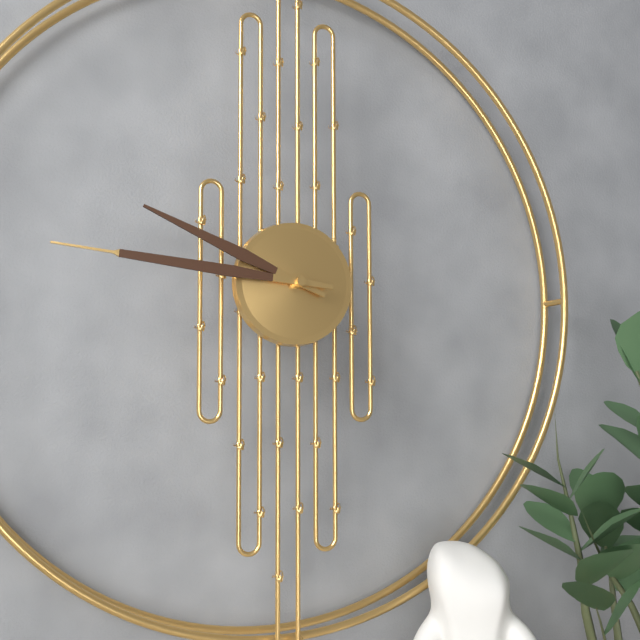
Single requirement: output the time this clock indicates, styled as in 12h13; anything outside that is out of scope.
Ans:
9h46
